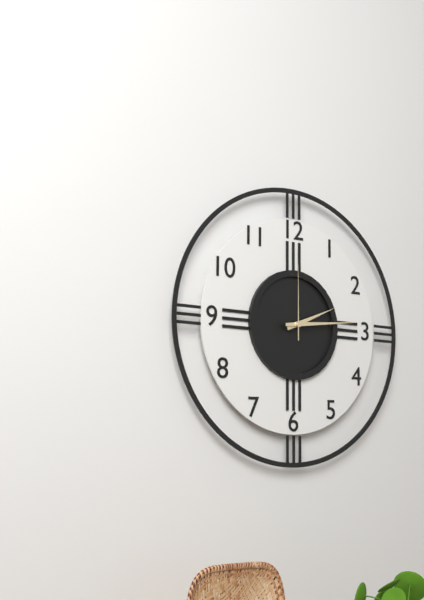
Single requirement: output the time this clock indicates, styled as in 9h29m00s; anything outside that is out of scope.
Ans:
2h14m00s
